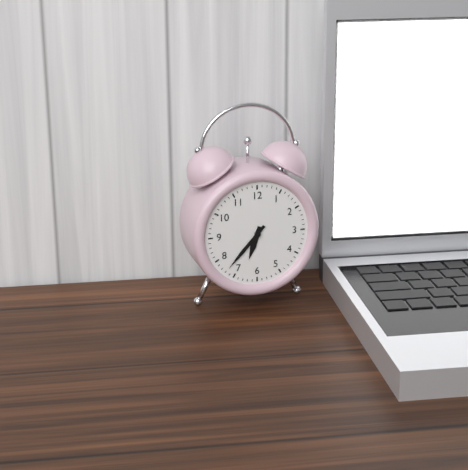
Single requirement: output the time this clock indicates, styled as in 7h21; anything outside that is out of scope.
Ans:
6h37
